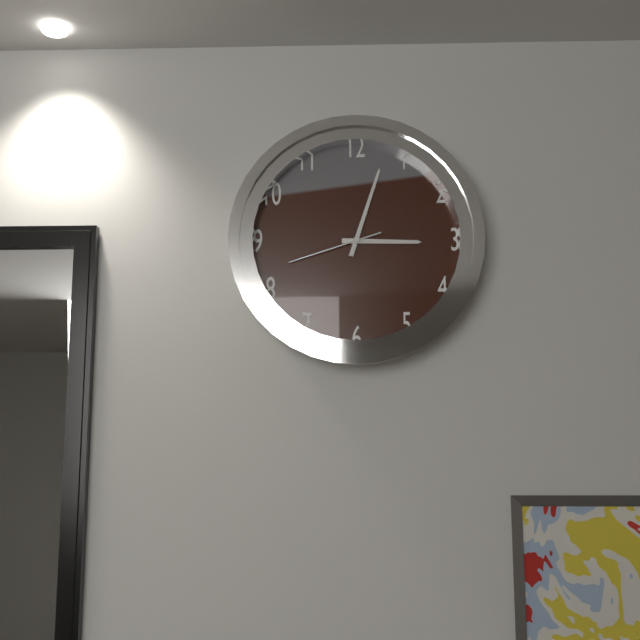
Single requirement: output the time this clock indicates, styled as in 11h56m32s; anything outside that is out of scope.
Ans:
3h03m42s
